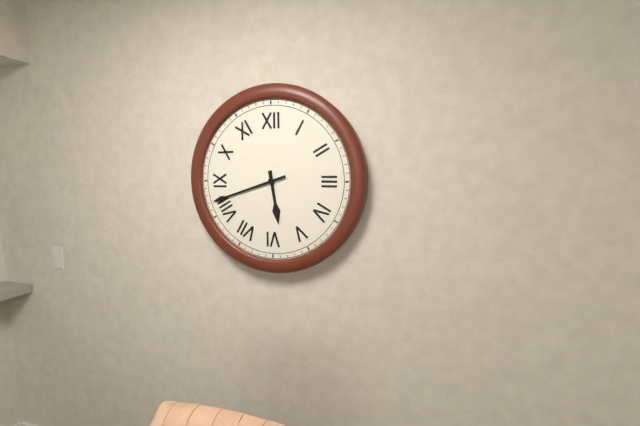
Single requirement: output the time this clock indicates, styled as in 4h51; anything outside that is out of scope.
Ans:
5h42
